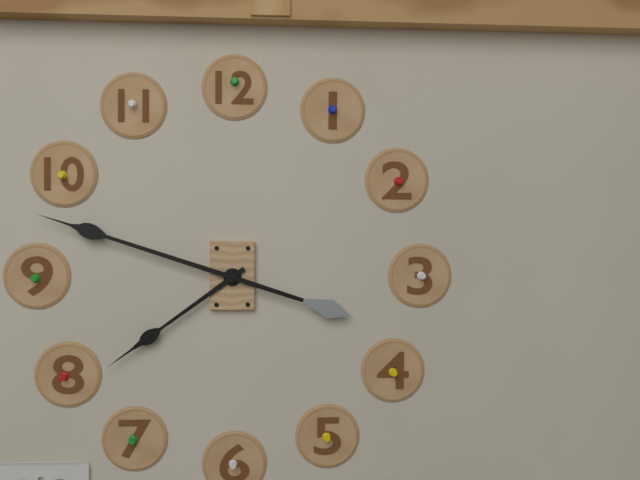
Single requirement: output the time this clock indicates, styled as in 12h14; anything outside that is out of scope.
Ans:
7h48
